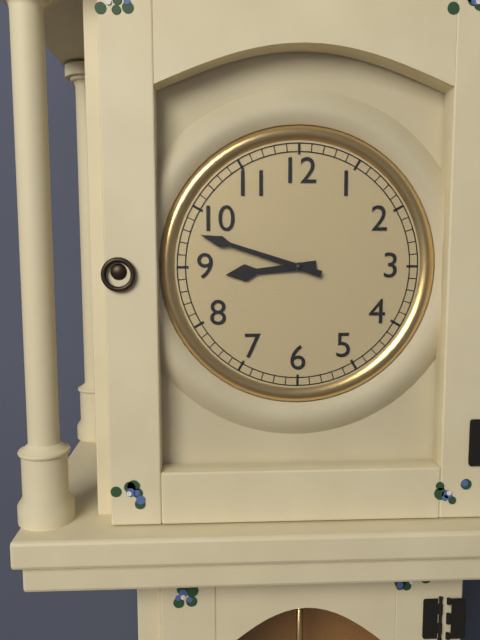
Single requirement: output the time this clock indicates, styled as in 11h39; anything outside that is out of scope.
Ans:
8h48
